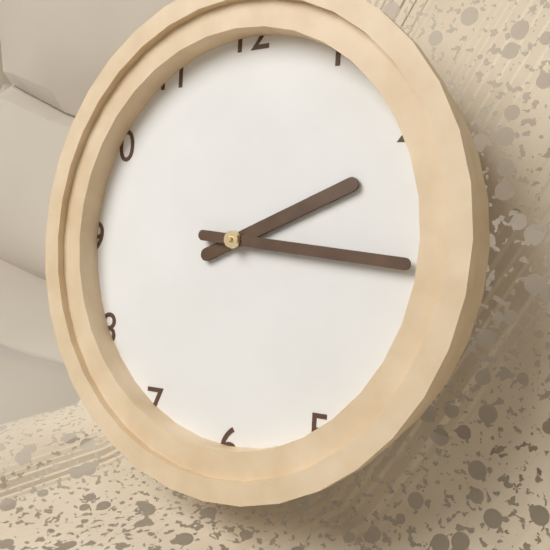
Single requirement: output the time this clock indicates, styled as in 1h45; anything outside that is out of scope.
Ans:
2h16
